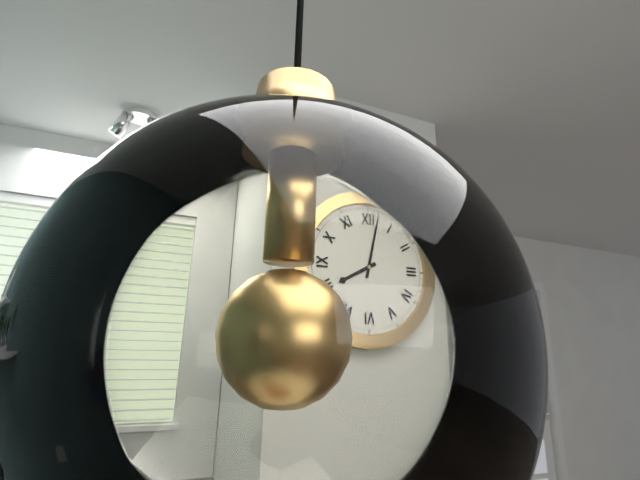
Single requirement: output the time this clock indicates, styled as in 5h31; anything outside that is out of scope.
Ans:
8h02
